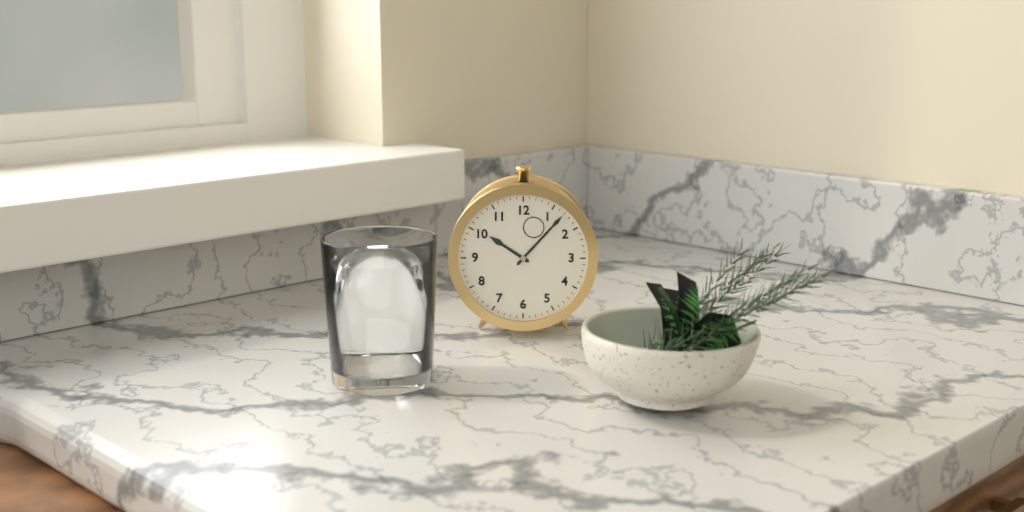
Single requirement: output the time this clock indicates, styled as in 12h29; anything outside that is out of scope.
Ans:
10h07
